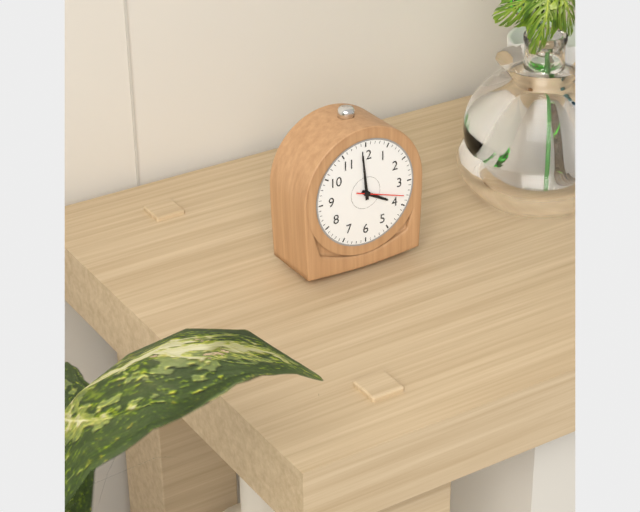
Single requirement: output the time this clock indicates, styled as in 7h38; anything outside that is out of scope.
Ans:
3h59
